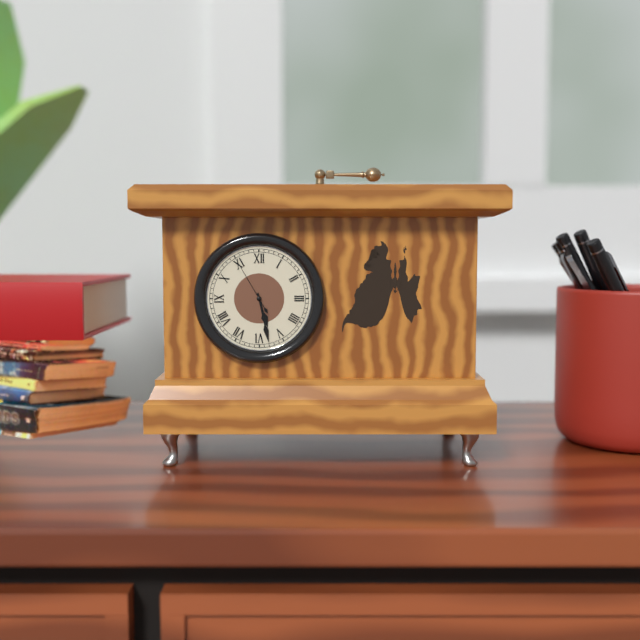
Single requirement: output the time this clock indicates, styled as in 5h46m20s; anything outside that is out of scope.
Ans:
5h28m55s
